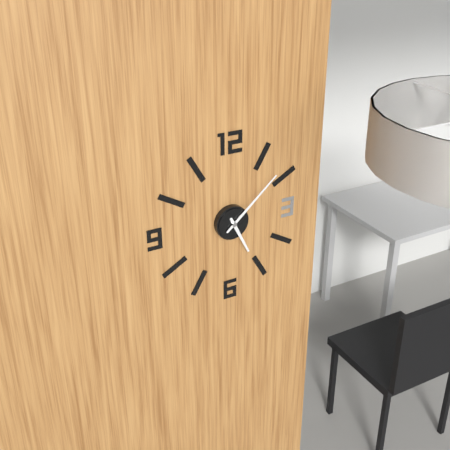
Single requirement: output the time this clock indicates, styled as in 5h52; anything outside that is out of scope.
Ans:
5h08
